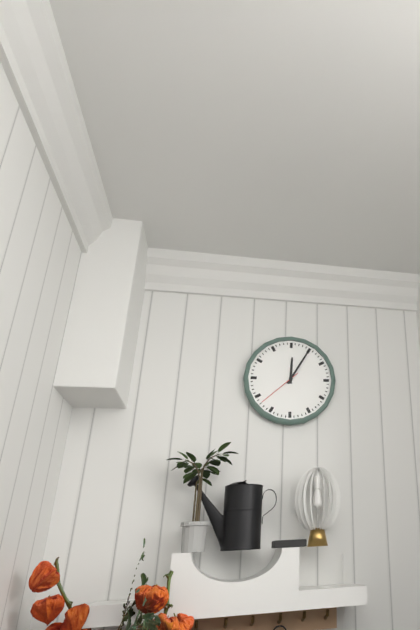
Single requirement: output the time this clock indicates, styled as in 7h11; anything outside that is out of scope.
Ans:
12h05
